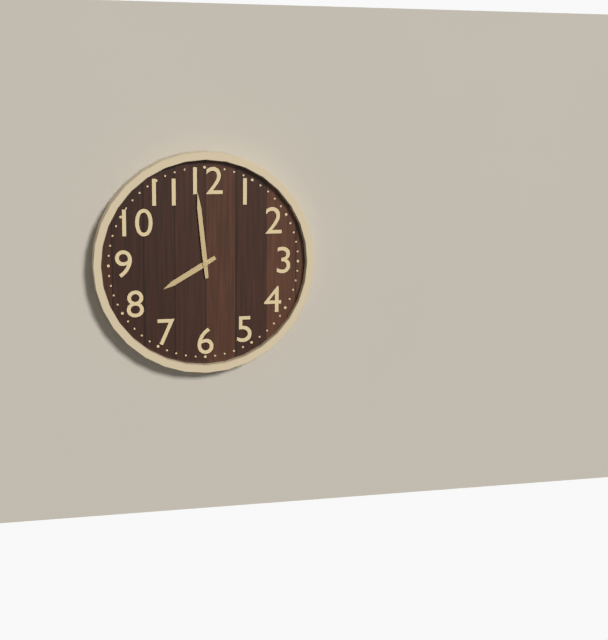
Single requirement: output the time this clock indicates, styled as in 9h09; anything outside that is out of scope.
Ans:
7h59
